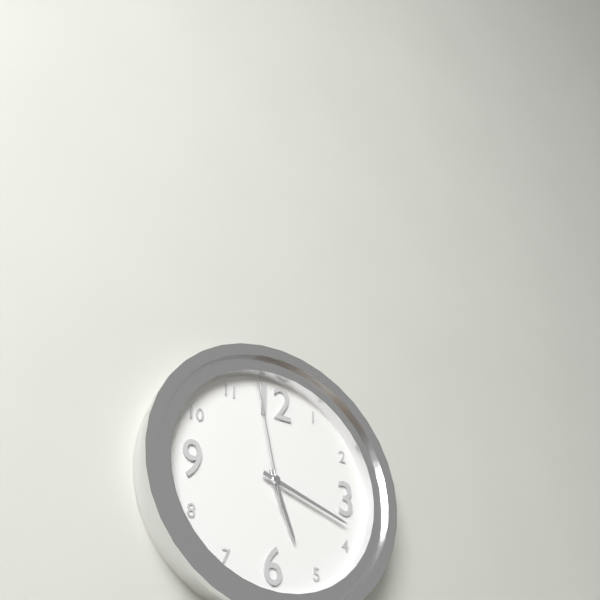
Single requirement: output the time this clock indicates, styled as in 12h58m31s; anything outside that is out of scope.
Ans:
5h18m58s
